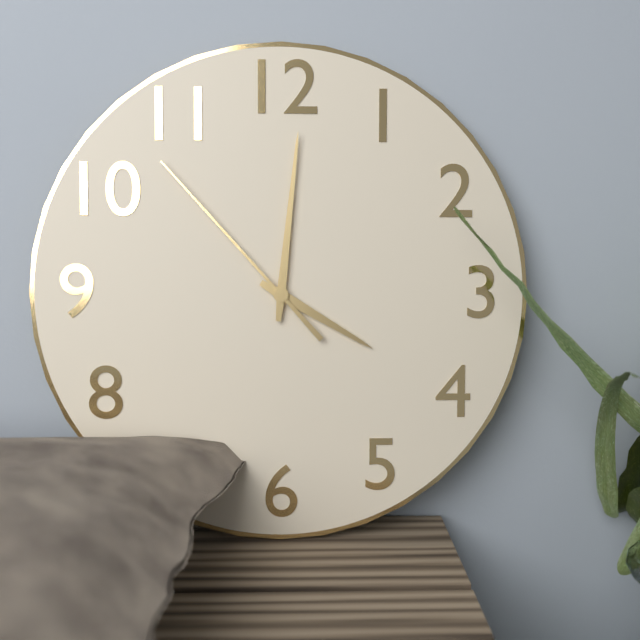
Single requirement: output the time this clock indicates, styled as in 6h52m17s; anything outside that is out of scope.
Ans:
4h01m53s
